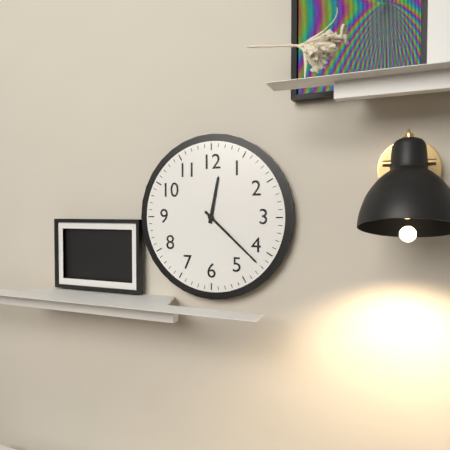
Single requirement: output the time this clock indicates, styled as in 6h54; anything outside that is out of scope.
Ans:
12h22
